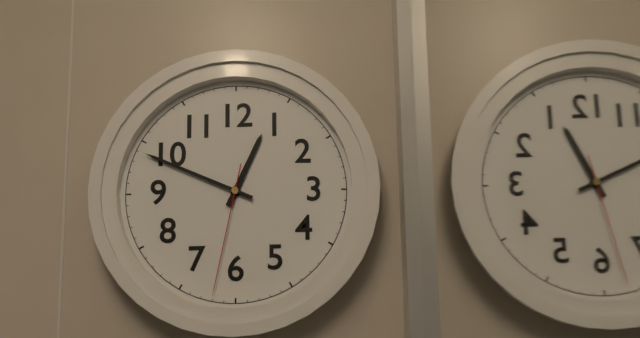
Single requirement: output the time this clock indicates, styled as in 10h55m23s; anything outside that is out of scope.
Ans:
12h49m32s
